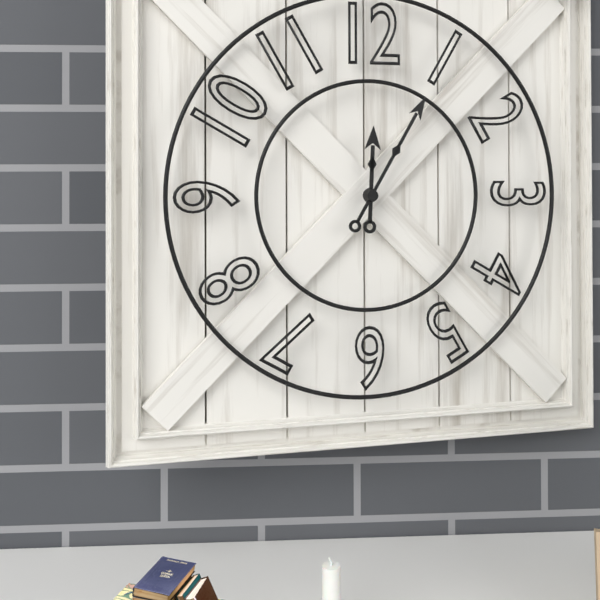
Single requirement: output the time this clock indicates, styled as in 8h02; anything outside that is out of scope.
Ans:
12h05
